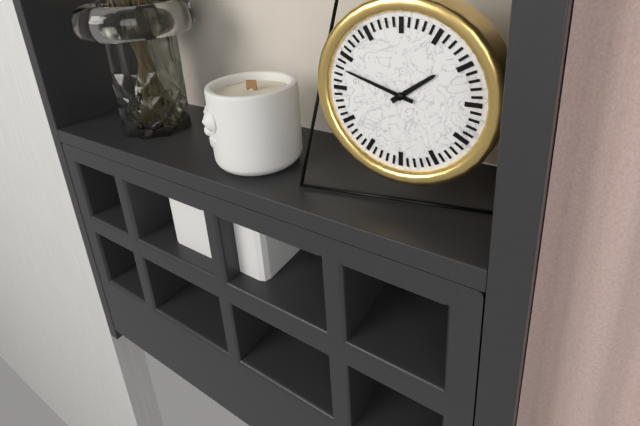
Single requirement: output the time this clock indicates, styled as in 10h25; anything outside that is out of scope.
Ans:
1h48
